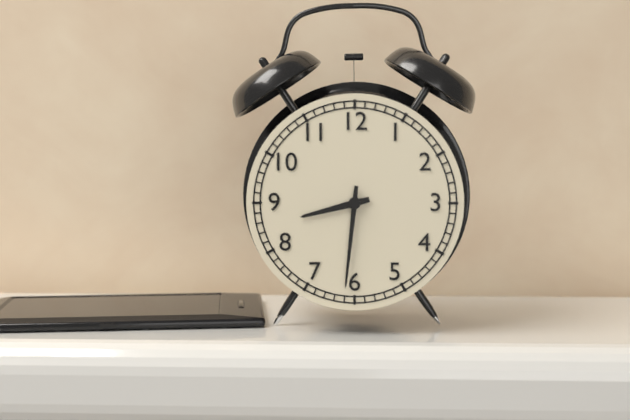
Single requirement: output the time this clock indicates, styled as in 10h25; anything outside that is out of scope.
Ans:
8h31
